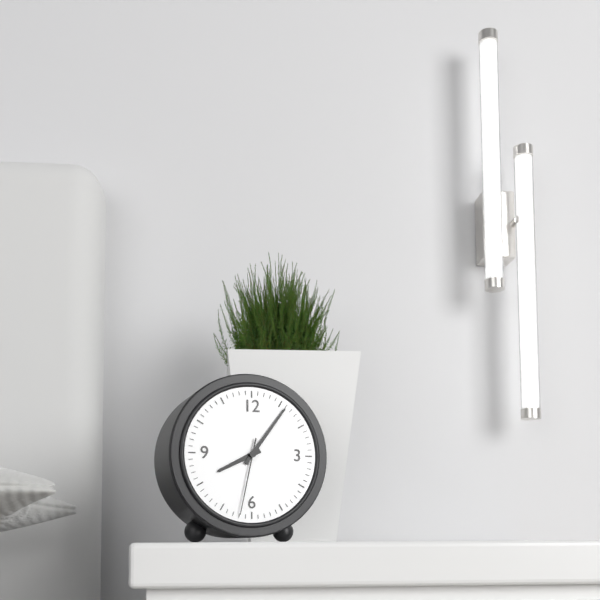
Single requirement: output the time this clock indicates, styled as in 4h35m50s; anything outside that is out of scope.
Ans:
8h06m32s
